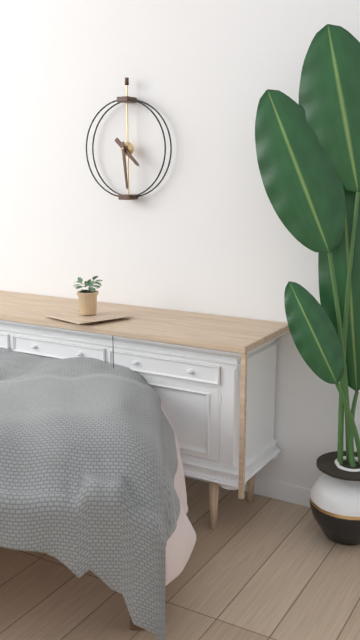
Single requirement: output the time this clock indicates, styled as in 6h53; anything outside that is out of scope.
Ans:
4h29
